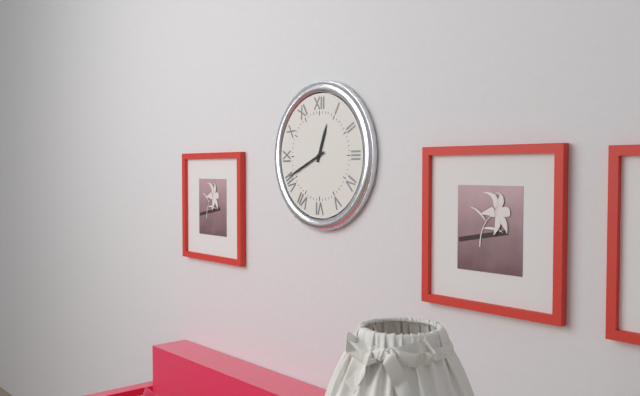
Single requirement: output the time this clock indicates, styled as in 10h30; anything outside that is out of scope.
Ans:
12h41
